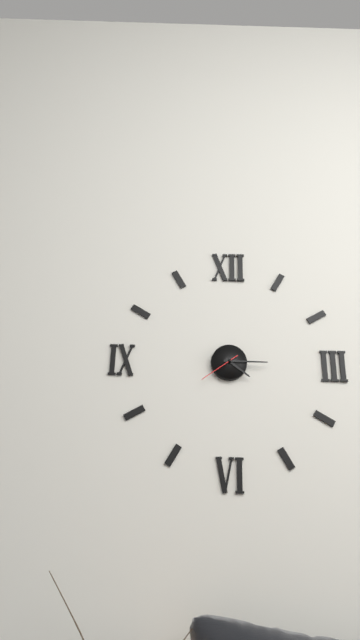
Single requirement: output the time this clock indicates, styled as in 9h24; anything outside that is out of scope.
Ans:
4h15
